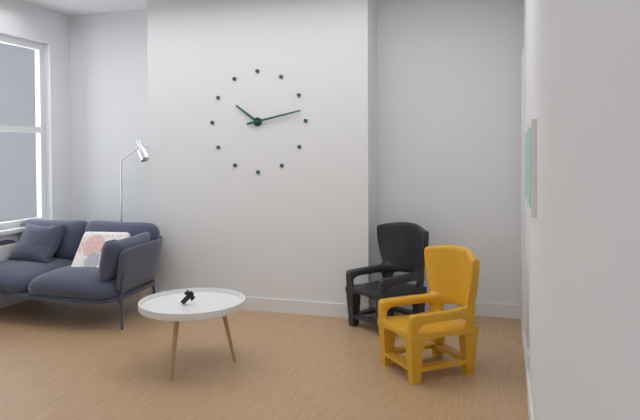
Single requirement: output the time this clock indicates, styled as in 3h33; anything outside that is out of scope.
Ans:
10h13
